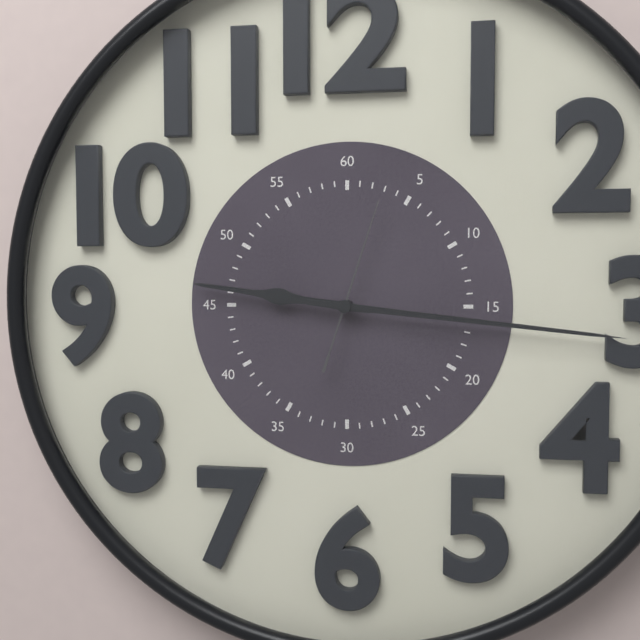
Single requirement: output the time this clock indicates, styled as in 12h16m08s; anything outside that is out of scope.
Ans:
9h16m03s
